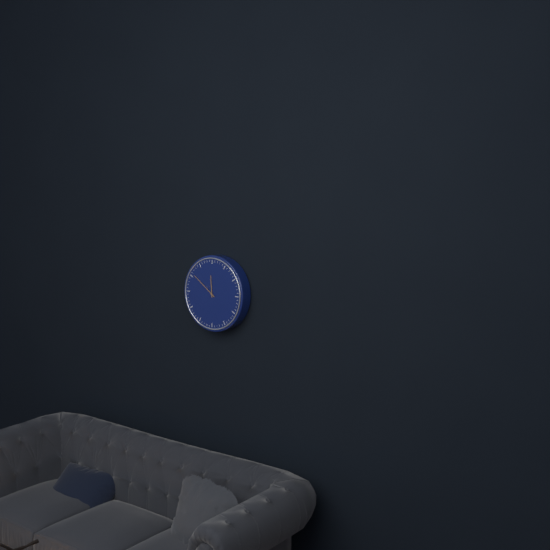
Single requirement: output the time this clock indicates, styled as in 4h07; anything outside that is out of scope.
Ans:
11h51
